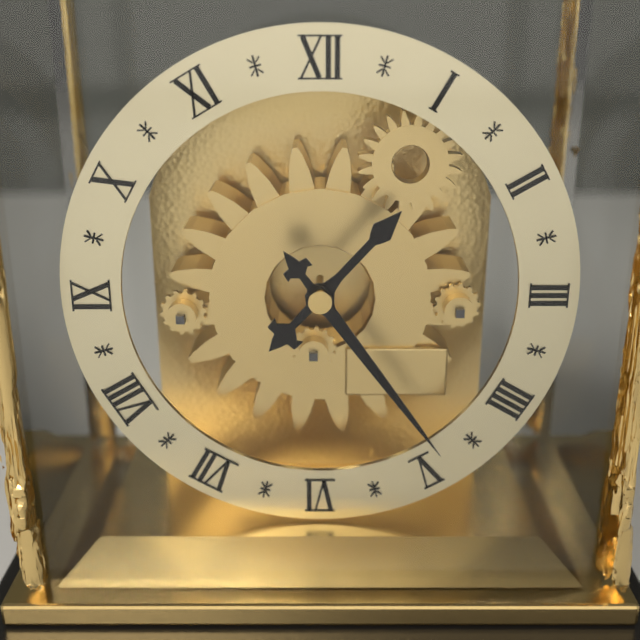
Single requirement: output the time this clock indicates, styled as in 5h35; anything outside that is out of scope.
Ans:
1h24
